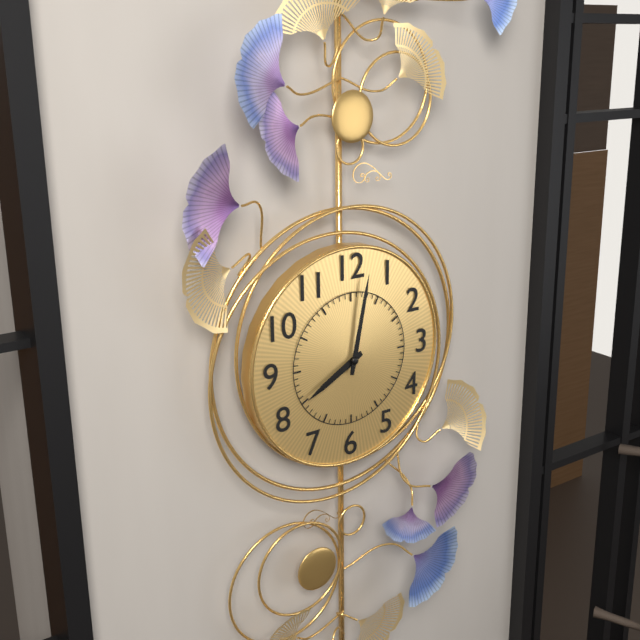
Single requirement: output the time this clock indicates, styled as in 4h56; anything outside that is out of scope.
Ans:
8h02
